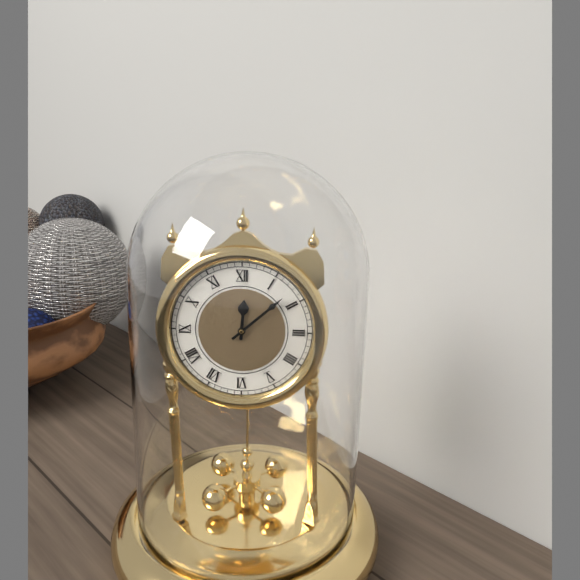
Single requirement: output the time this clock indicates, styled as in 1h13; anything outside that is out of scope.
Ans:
12h08
